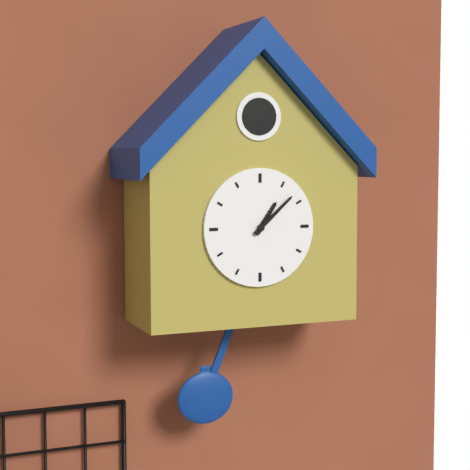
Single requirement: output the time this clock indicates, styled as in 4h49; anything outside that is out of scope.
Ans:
1h08
